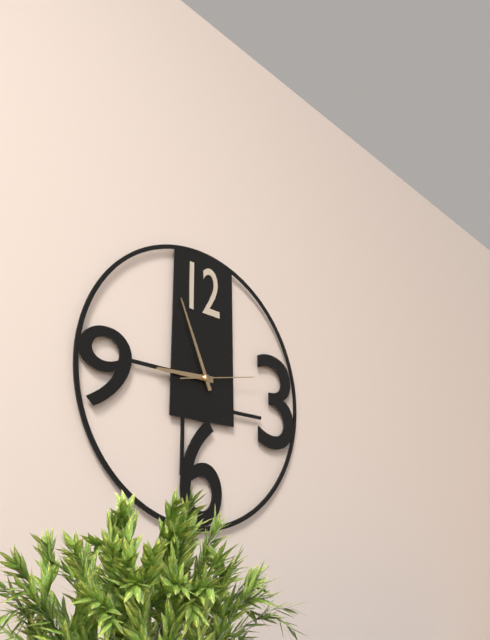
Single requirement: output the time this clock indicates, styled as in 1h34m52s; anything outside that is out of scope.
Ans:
8h56m13s
